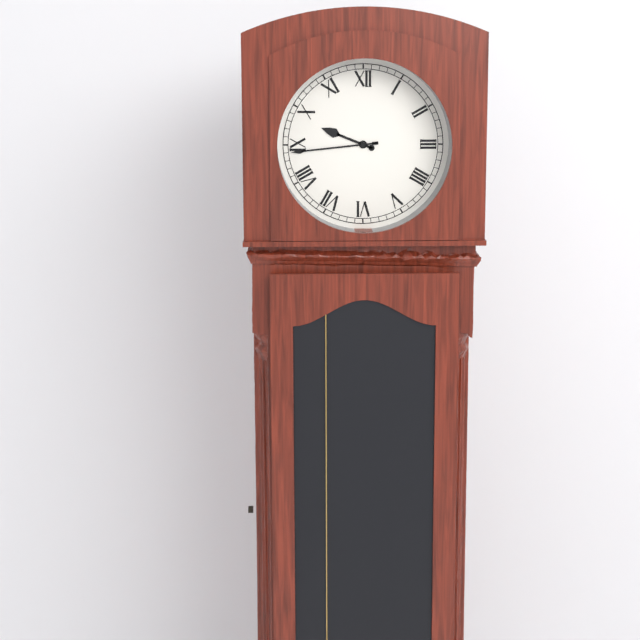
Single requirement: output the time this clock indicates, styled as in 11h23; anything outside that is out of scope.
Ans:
9h44
